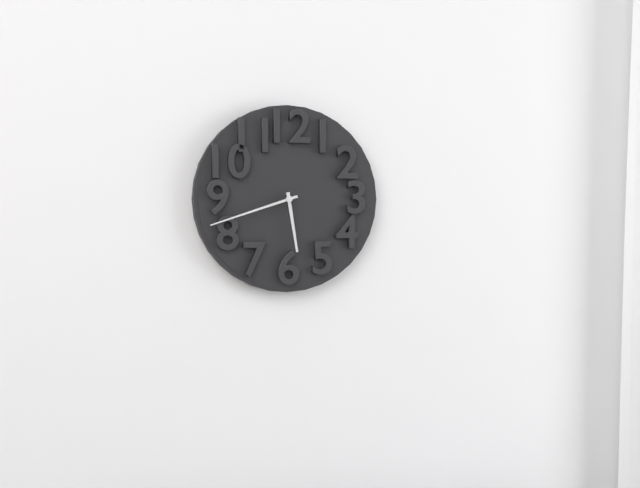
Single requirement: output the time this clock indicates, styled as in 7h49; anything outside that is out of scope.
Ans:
5h42
